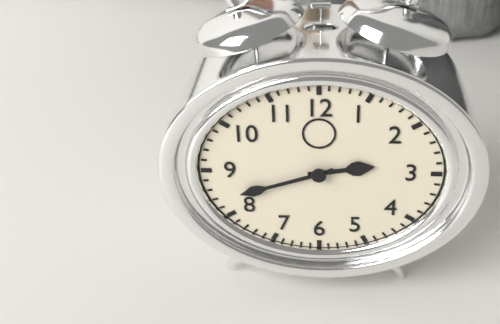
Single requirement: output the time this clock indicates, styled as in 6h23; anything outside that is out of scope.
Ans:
2h42
